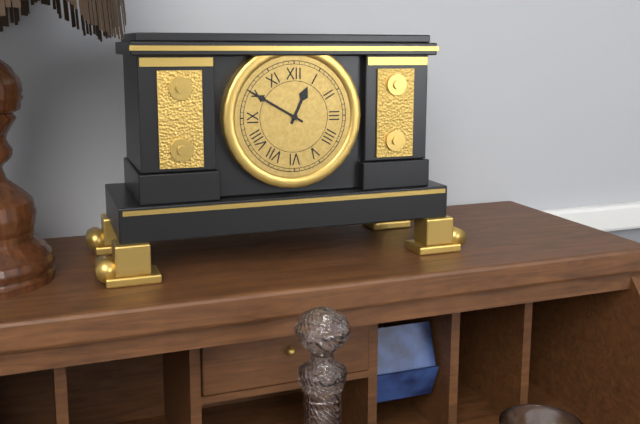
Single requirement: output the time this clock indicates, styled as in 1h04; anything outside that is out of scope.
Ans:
12h50
